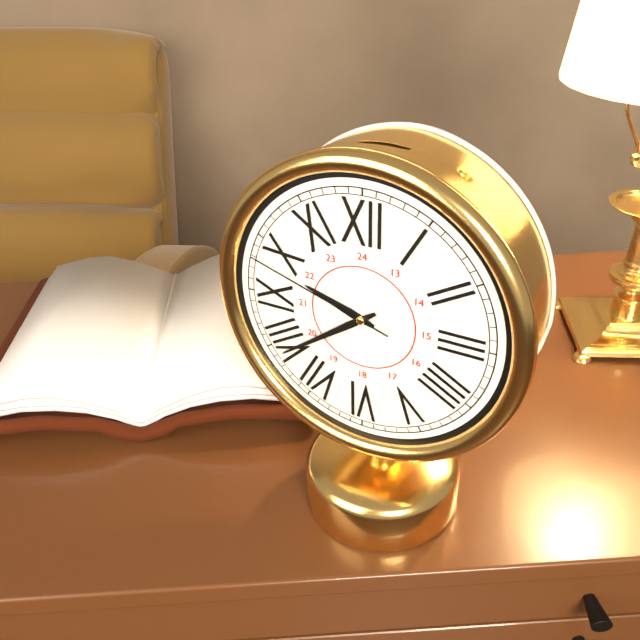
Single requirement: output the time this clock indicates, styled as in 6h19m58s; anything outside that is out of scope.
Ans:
9h39m48s
